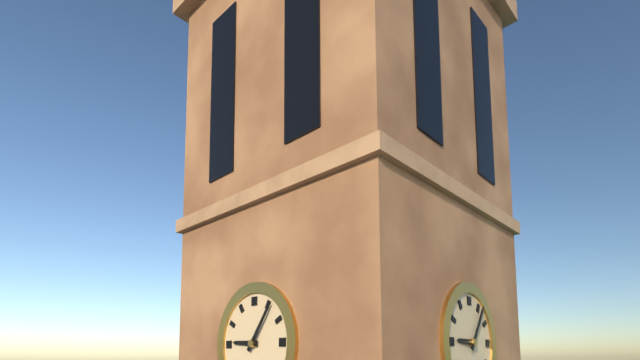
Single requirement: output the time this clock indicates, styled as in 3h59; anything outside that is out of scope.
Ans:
9h06
